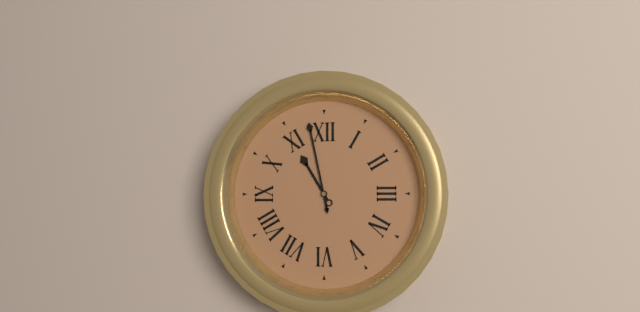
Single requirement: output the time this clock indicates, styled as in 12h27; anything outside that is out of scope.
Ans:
10h58
